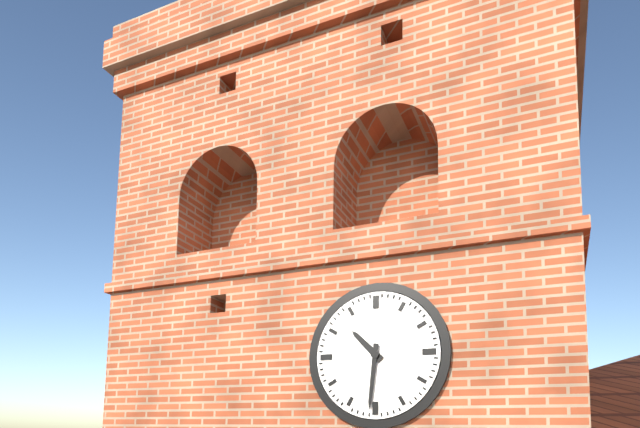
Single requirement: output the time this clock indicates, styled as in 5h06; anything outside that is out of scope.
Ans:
10h31
